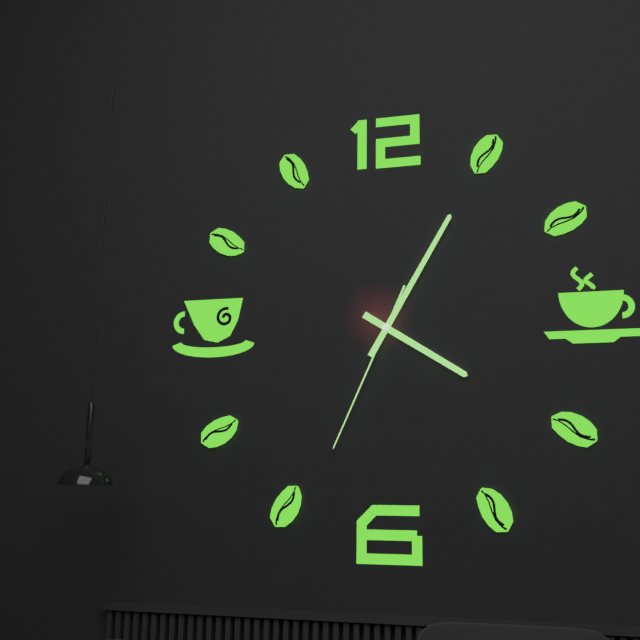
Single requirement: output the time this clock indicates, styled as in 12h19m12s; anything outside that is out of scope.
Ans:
4h05m34s
